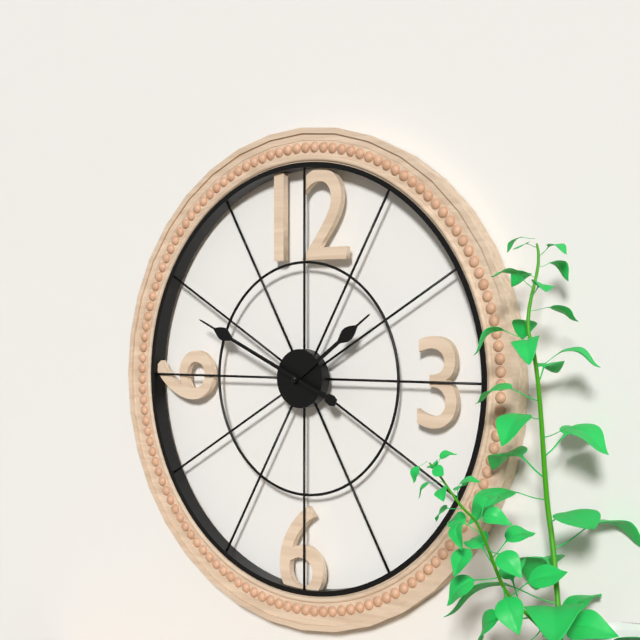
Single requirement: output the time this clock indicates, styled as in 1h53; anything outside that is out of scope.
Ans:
1h49
